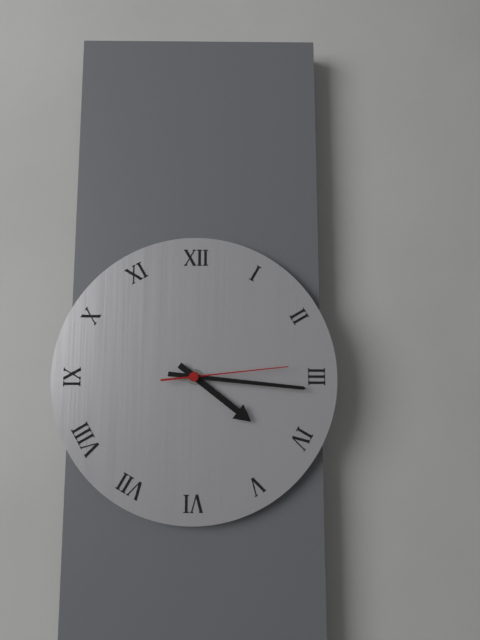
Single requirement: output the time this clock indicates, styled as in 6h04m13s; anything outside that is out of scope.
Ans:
4h16m14s
